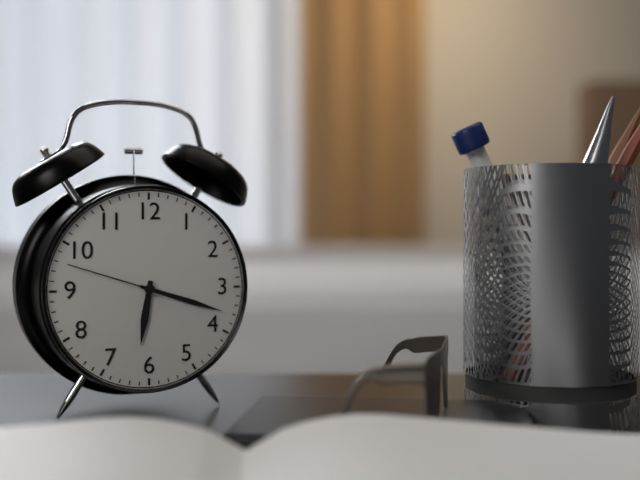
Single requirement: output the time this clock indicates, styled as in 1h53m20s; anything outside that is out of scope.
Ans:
6h18m48s
